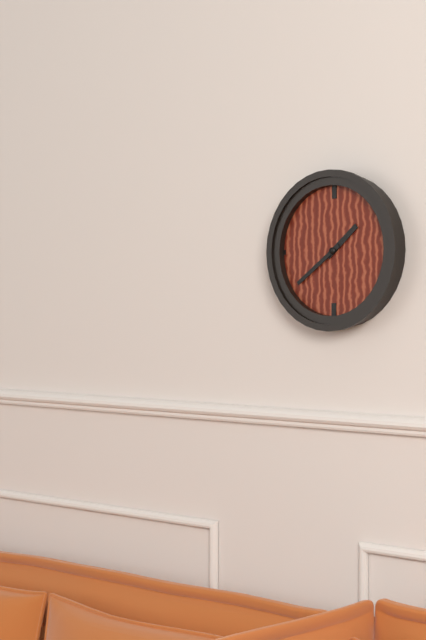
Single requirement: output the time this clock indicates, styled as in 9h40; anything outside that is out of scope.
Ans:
1h39
